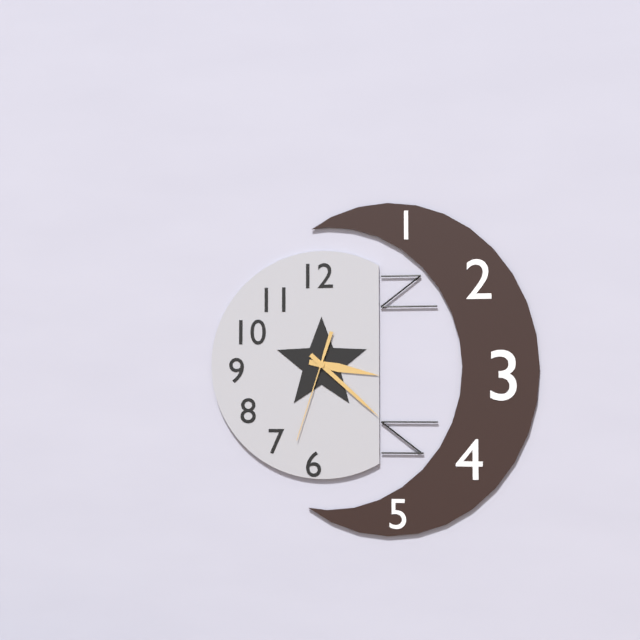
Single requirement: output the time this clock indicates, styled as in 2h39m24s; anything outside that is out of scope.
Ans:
3h22m33s
